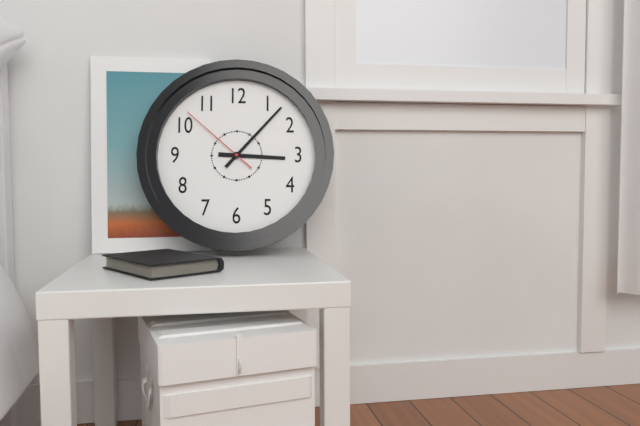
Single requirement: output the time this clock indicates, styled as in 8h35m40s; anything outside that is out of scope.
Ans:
3h07m52s
